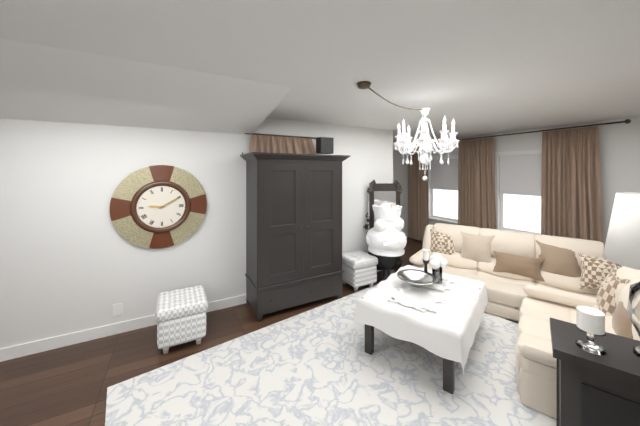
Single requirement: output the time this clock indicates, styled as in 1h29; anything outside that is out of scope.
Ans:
9h10
